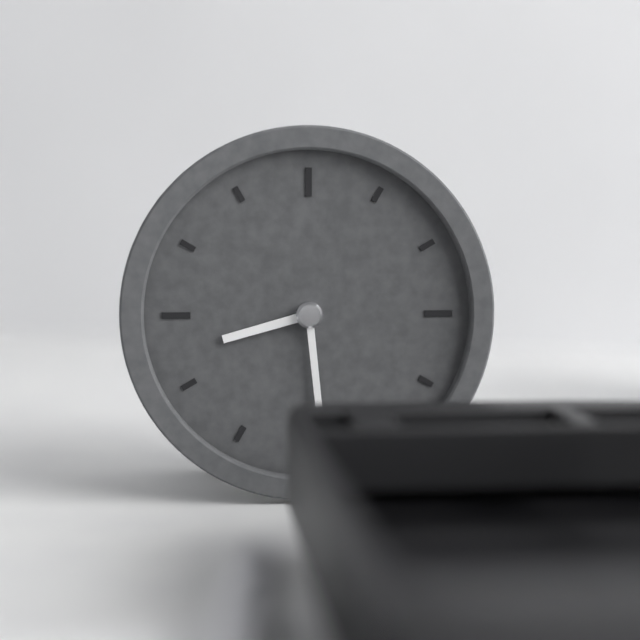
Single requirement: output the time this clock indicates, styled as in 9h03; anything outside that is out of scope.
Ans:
8h29
